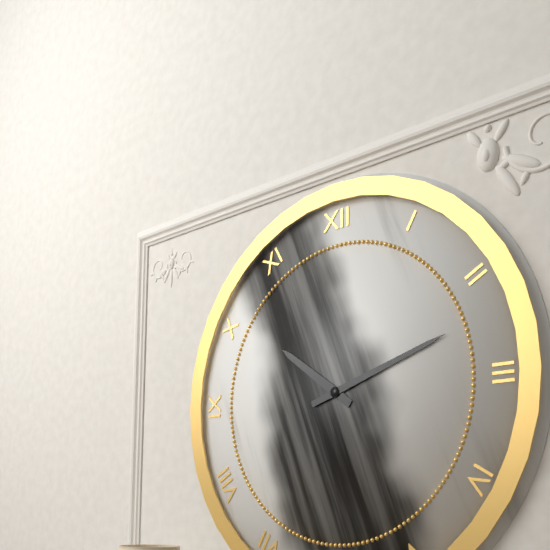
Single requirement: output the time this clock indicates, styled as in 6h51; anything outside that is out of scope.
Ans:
10h12
